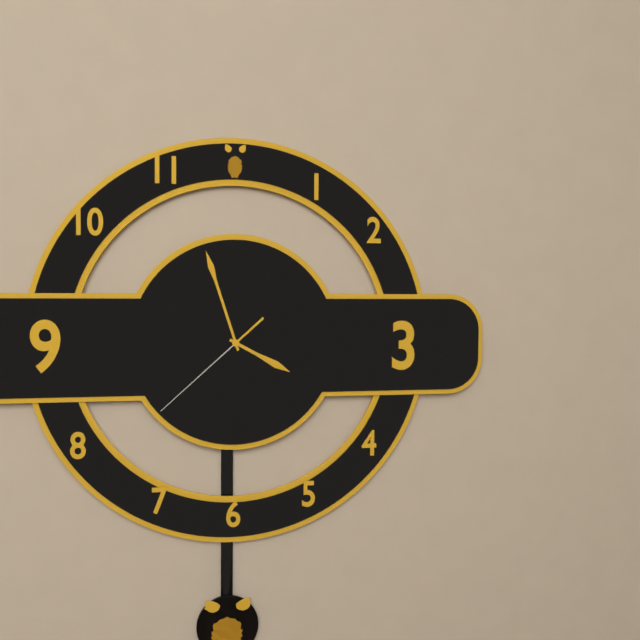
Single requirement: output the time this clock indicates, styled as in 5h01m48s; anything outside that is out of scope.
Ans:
3h57m38s
